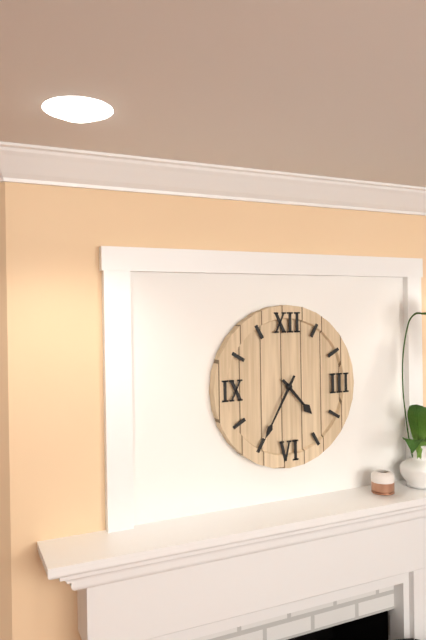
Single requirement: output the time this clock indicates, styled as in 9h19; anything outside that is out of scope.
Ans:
4h35
